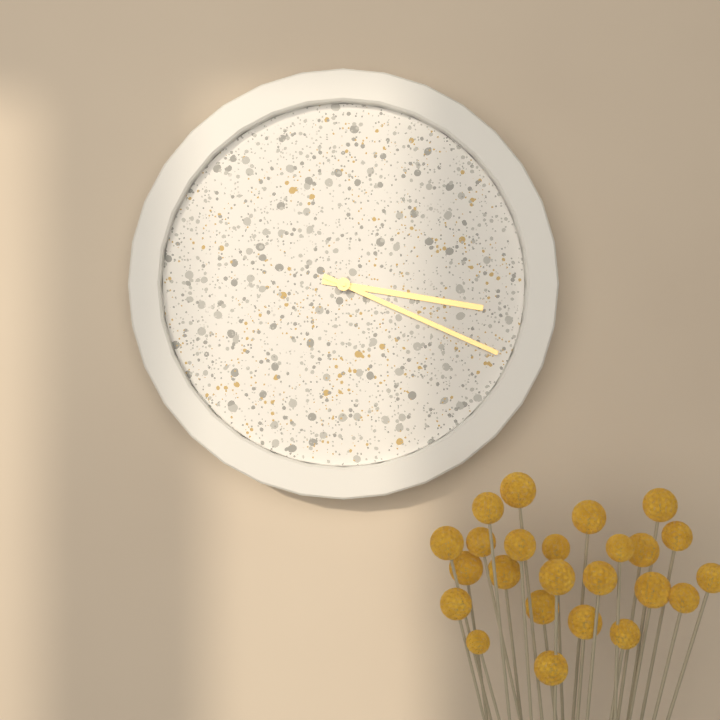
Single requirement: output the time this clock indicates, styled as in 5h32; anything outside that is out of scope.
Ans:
3h19
